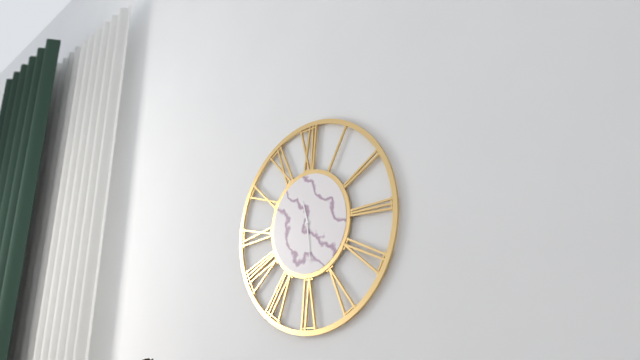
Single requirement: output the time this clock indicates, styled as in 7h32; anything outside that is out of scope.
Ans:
11h29
